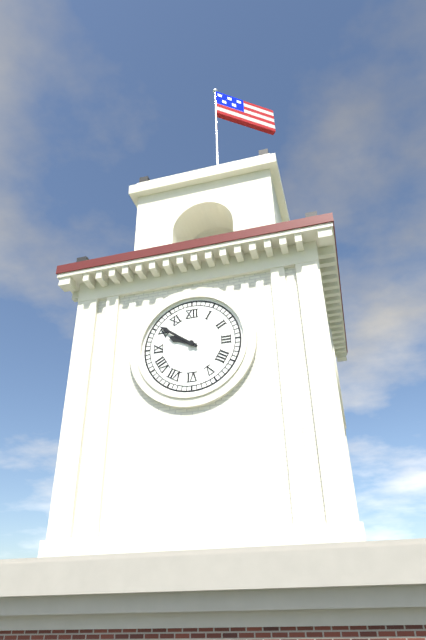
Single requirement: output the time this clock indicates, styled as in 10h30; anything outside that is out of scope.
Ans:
9h51
